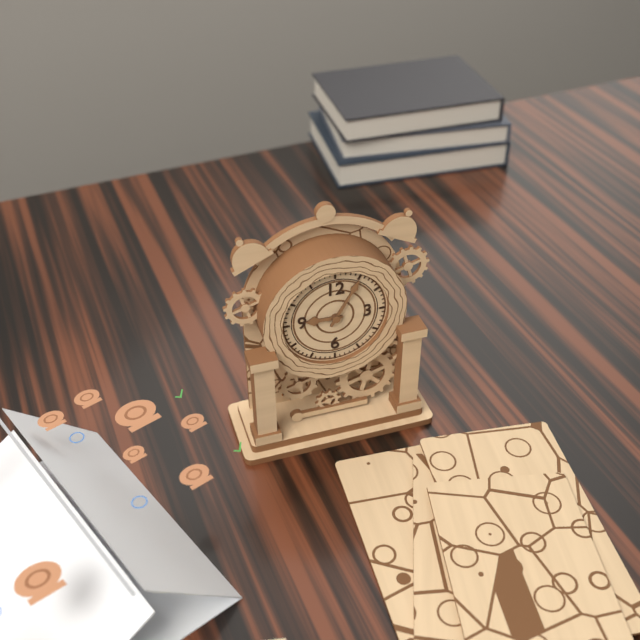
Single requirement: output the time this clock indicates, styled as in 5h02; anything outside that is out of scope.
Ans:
9h05
